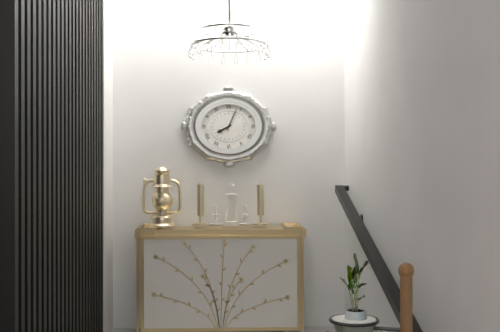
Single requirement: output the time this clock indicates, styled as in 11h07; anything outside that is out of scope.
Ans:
8h04
